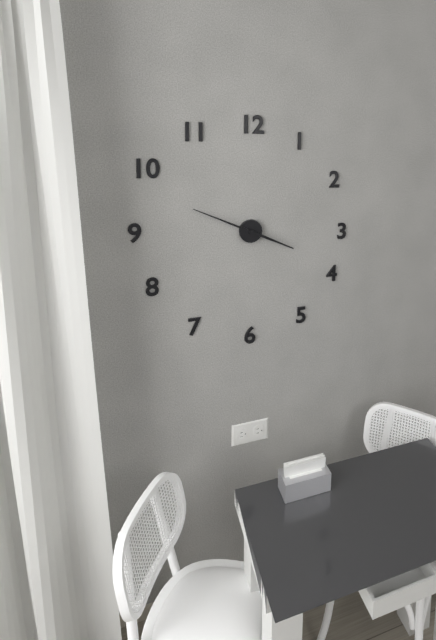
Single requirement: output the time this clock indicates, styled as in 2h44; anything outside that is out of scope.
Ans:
3h49
